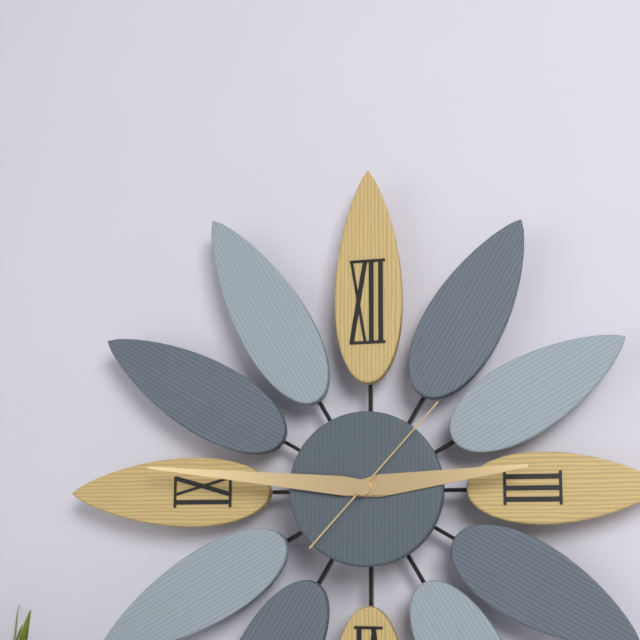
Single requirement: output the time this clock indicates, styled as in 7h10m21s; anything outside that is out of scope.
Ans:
2h46m07s
